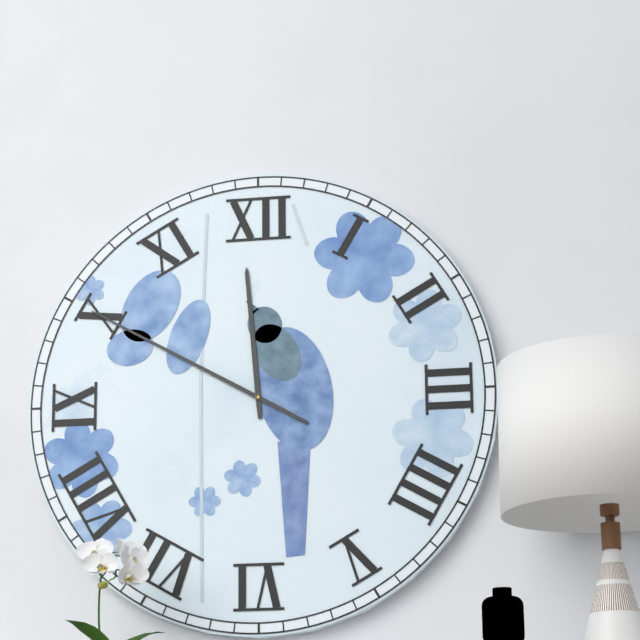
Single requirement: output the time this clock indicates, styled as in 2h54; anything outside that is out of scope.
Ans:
11h50
